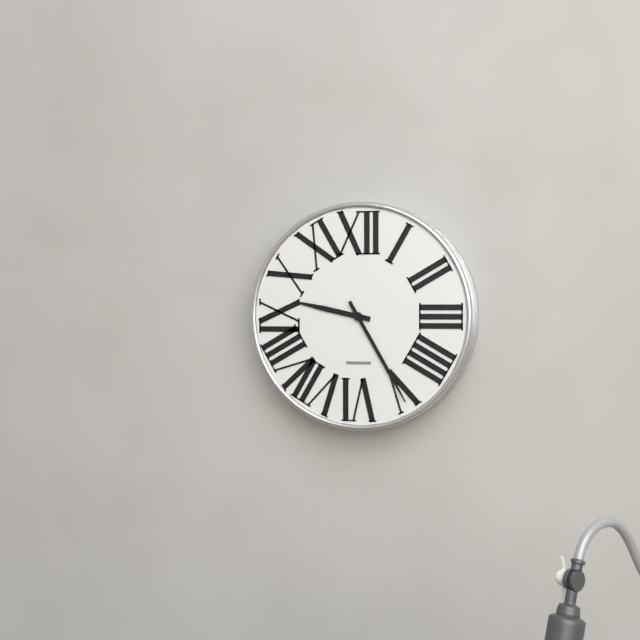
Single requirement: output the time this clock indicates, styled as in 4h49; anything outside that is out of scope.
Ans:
9h25
